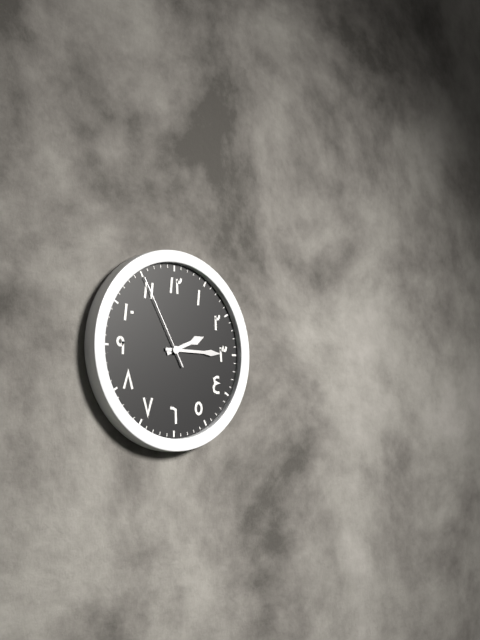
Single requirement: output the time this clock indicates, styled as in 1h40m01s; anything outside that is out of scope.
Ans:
2h15m55s
